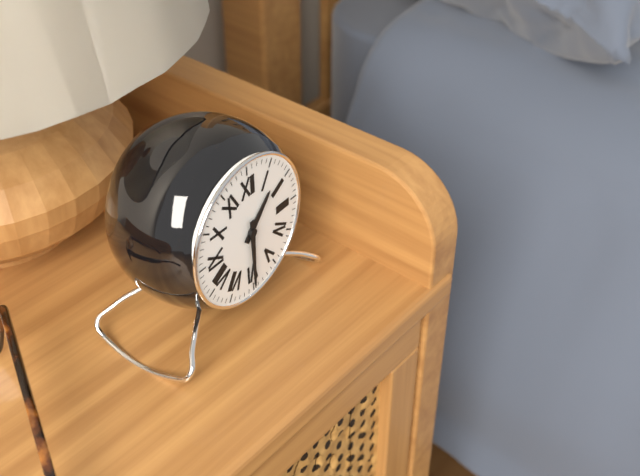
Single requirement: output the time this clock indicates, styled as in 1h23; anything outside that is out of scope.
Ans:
1h30
